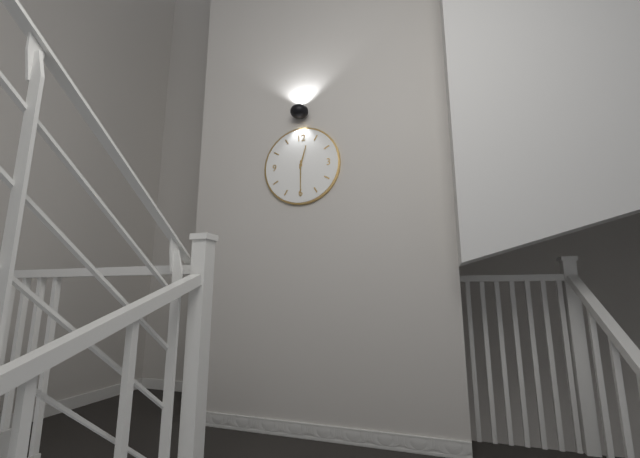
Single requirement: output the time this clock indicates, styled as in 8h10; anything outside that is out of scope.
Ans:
12h30
